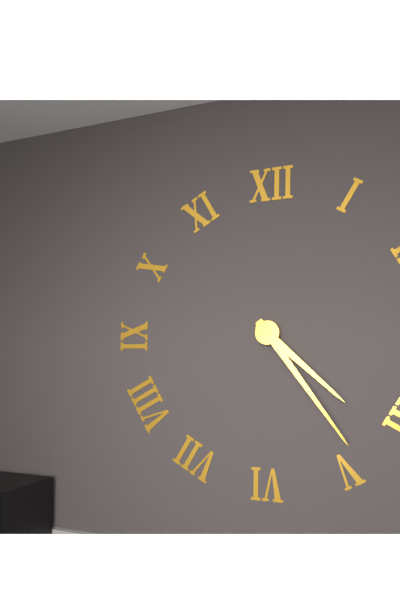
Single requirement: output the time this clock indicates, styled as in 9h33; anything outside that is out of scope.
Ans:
4h24
